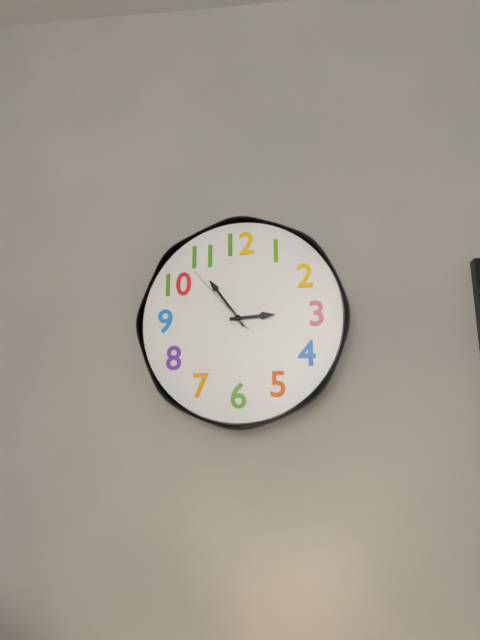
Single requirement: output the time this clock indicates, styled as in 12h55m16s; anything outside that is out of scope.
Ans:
2h54m53s
